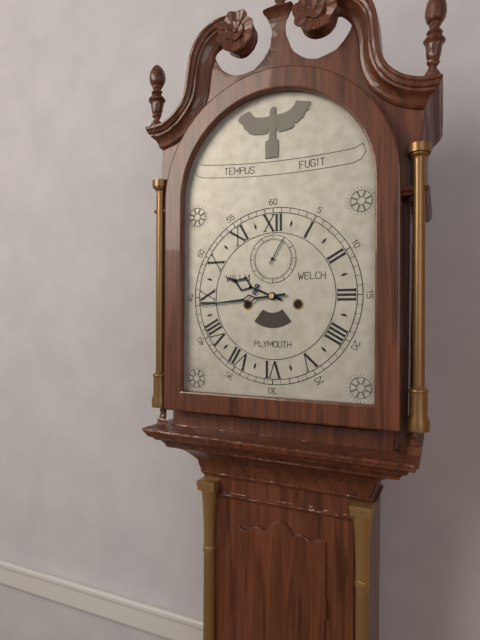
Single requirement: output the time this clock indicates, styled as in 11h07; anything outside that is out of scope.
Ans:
9h44
